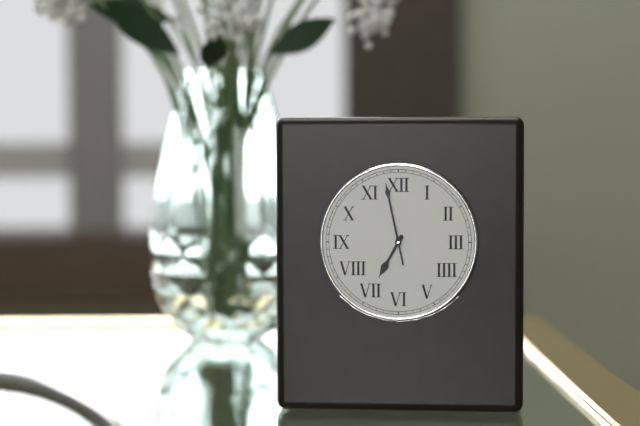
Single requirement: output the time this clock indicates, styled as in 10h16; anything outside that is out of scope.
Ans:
6h58
